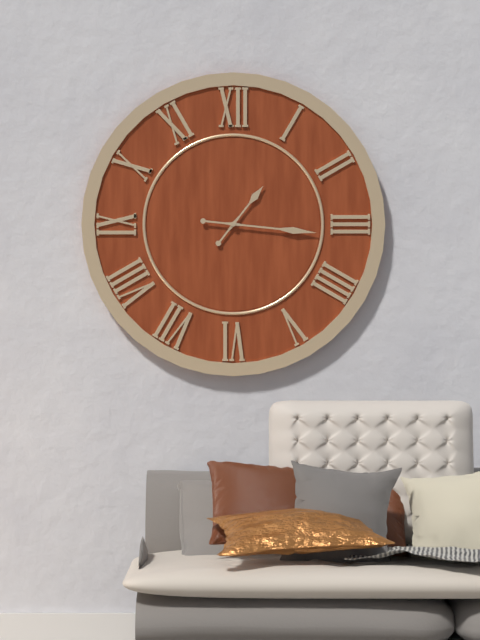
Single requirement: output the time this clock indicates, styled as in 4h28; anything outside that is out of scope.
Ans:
1h16
